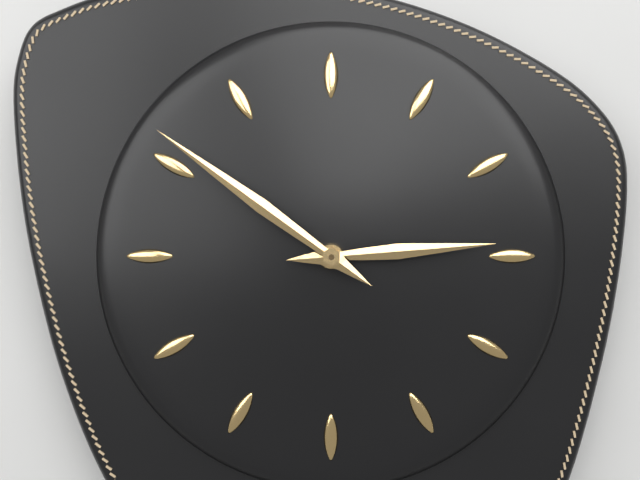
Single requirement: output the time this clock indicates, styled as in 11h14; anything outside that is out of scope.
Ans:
2h51
